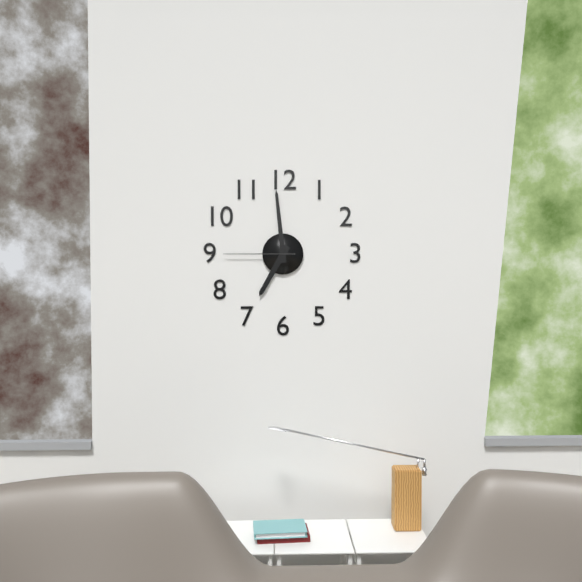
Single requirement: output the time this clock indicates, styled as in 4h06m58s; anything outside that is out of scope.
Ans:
6h59m45s
